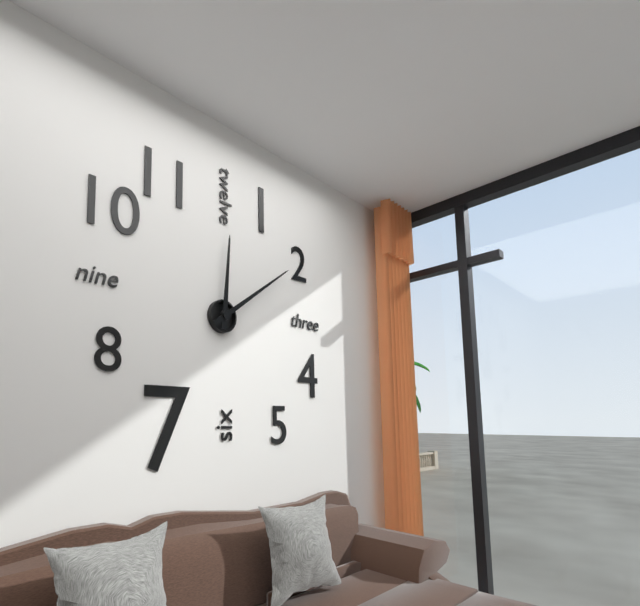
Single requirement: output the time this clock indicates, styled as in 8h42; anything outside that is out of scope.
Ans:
12h09
